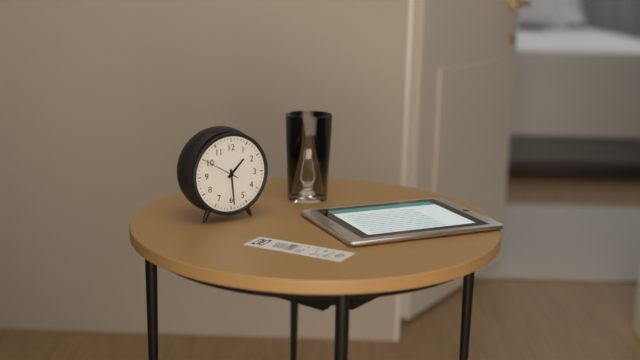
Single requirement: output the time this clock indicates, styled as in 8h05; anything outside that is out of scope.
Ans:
1h29
